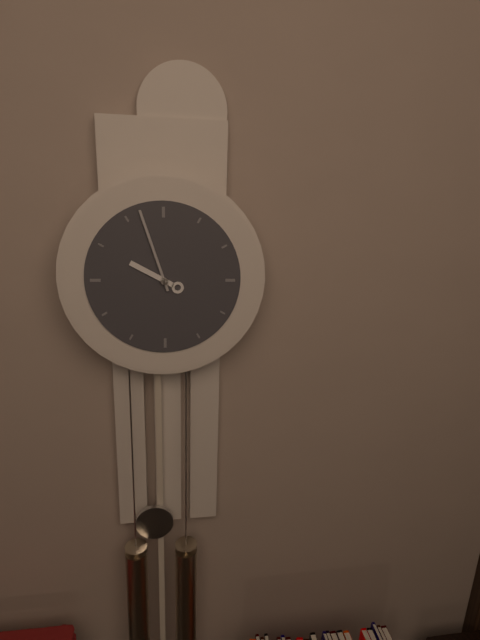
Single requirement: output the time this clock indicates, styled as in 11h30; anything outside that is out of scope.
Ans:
9h57
